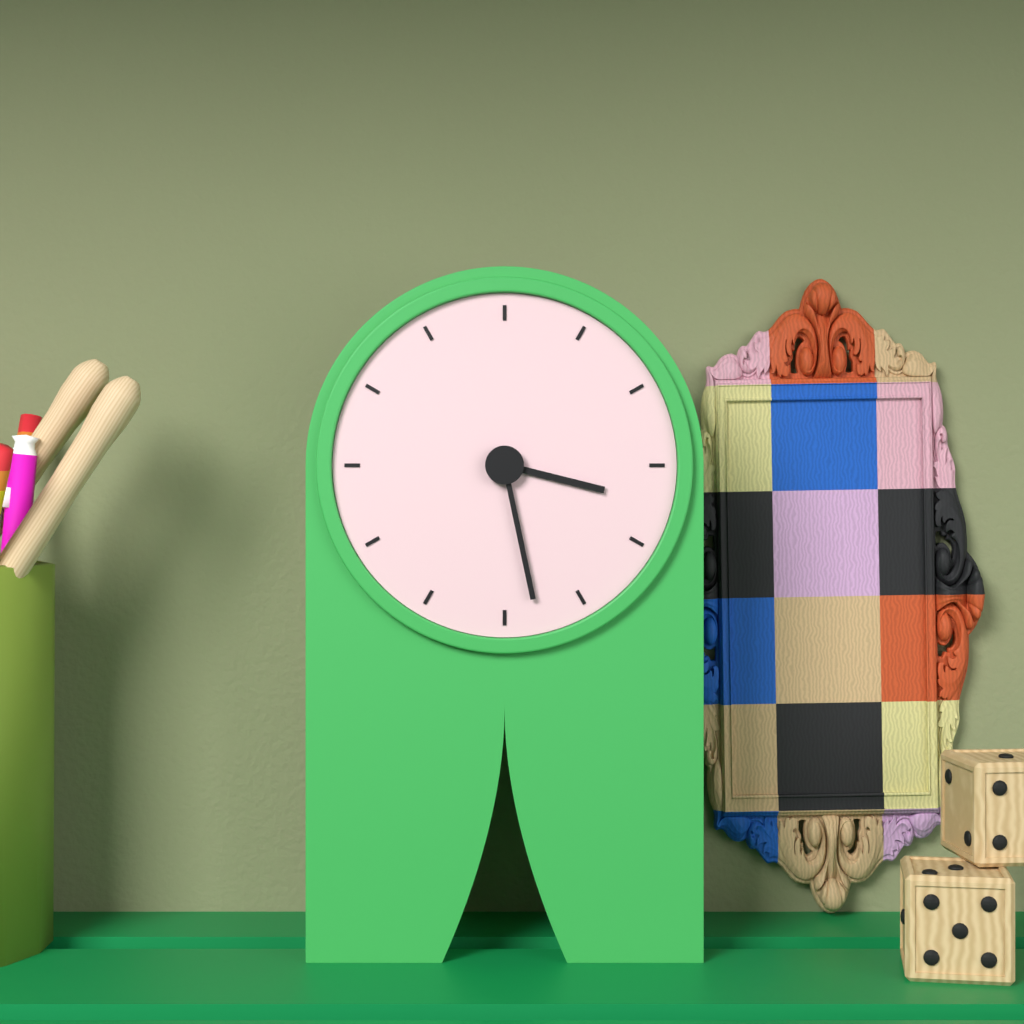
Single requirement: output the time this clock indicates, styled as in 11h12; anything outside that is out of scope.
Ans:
3h28
